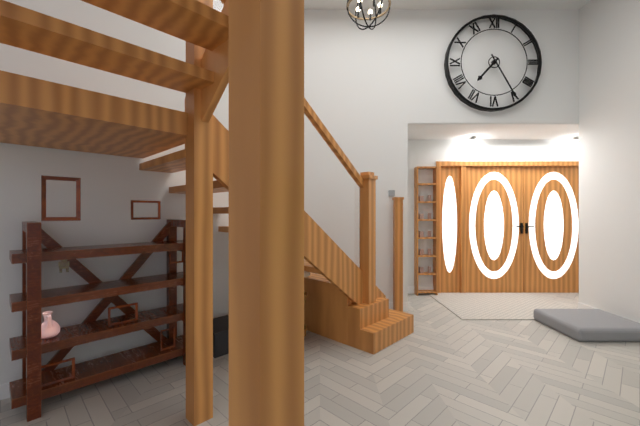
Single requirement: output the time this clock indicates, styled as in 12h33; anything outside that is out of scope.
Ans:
7h25
